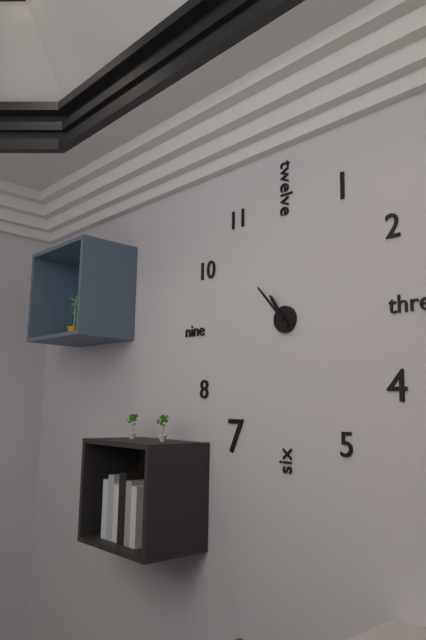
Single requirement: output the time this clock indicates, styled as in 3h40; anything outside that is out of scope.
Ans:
10h53
